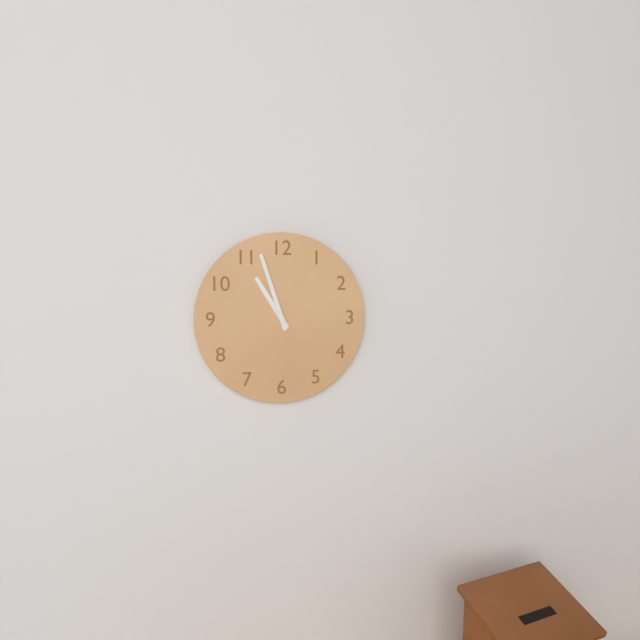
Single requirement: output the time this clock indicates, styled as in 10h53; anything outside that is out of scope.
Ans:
10h57
